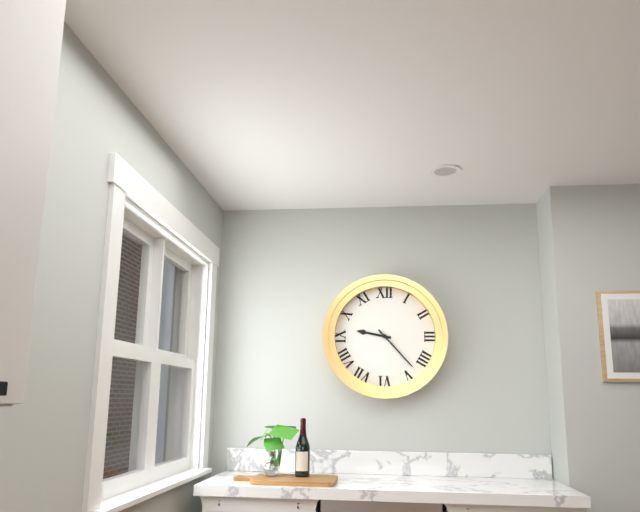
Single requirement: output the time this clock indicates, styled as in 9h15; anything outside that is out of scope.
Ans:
9h23
